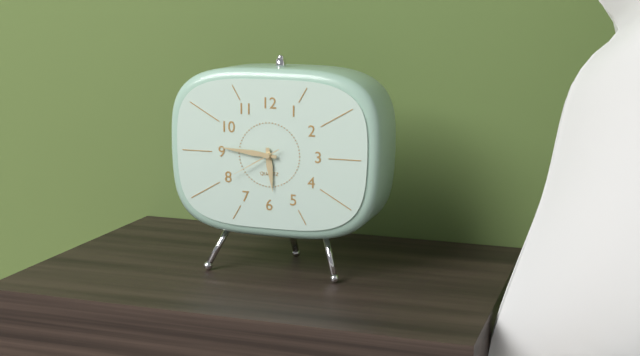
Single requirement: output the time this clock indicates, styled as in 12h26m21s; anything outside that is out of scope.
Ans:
5h46m40s
